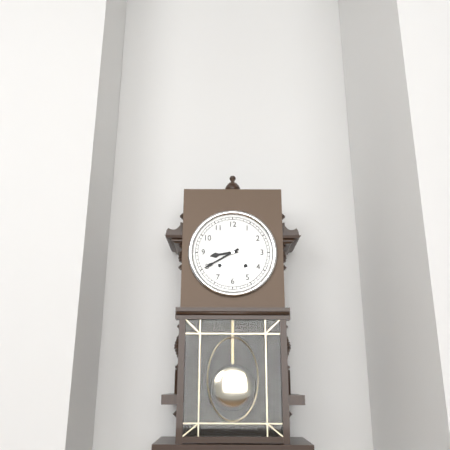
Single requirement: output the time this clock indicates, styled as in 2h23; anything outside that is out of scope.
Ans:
8h40
